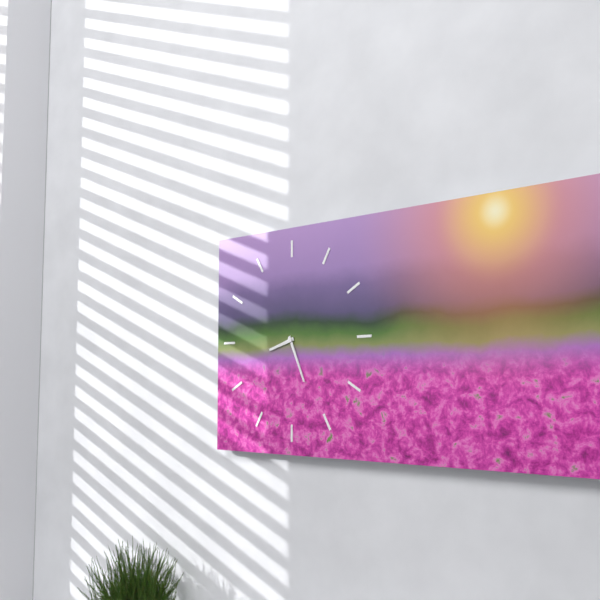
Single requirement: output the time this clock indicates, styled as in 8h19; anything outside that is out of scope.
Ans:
8h26
